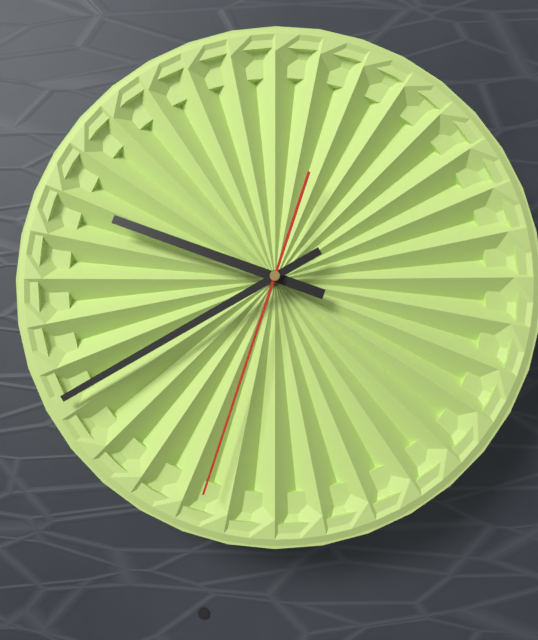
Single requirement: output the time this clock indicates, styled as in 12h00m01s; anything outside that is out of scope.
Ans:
9h40m33s
